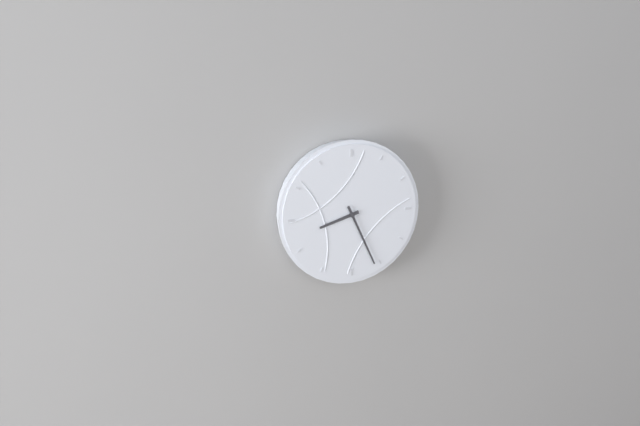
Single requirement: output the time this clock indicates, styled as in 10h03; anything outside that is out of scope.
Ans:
8h26
